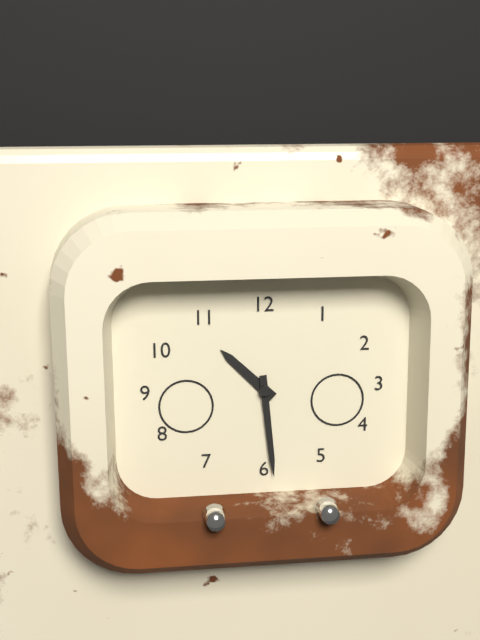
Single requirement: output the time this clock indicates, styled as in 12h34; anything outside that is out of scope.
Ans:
10h29
